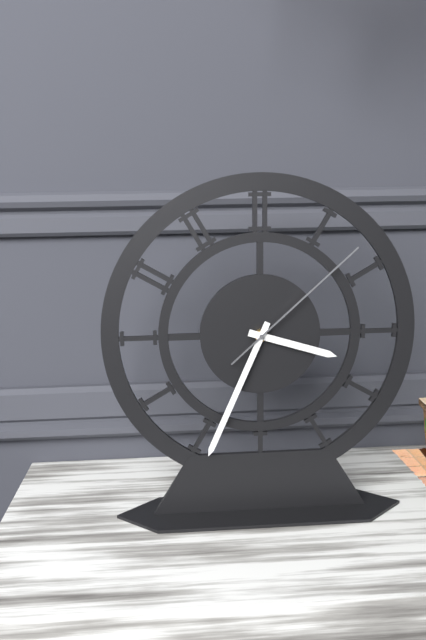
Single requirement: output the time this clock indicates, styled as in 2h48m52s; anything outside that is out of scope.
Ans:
3h34m08s
